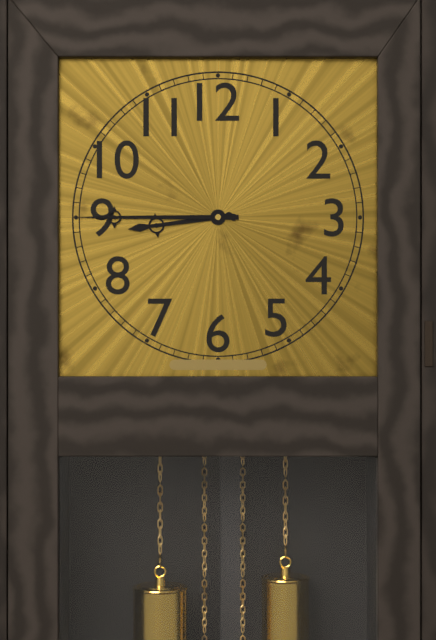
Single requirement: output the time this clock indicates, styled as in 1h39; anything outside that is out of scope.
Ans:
8h45
